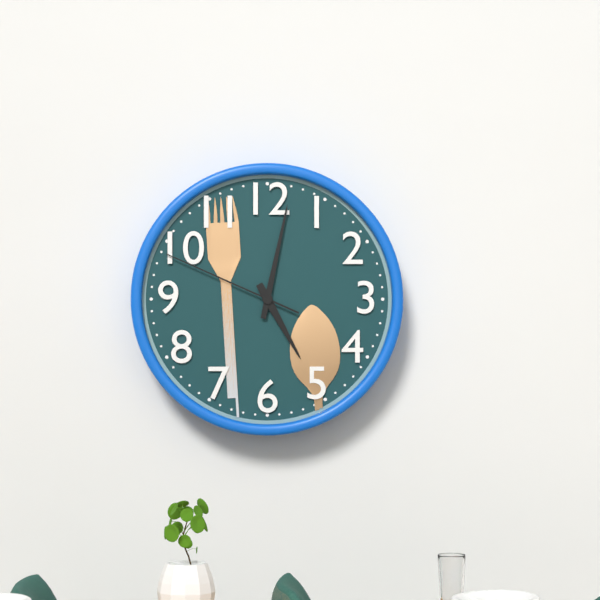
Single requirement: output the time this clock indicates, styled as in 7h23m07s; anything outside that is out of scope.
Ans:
5h02m49s
